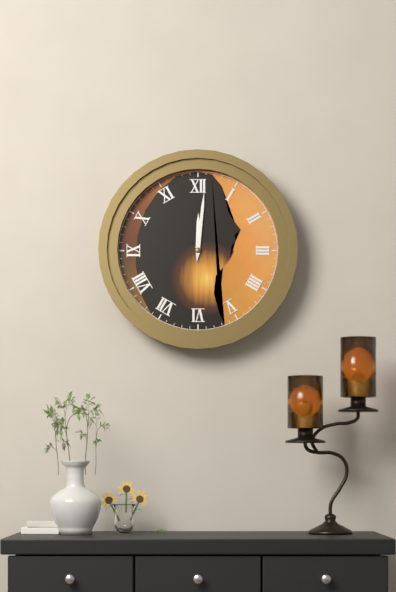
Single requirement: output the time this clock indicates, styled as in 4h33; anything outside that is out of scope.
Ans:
12h01
